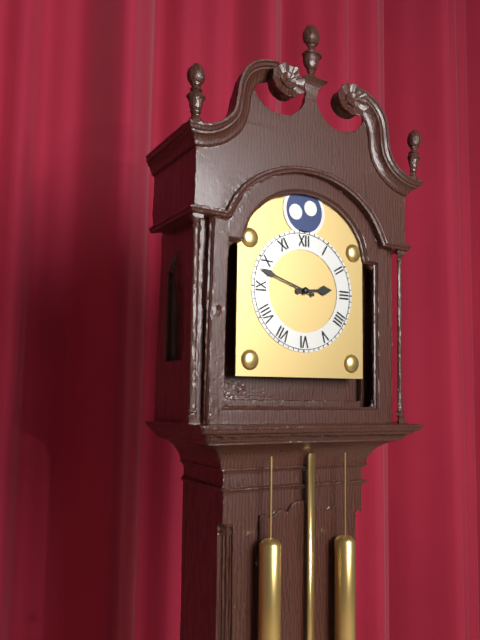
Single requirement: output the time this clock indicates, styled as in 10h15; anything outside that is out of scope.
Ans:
2h48
